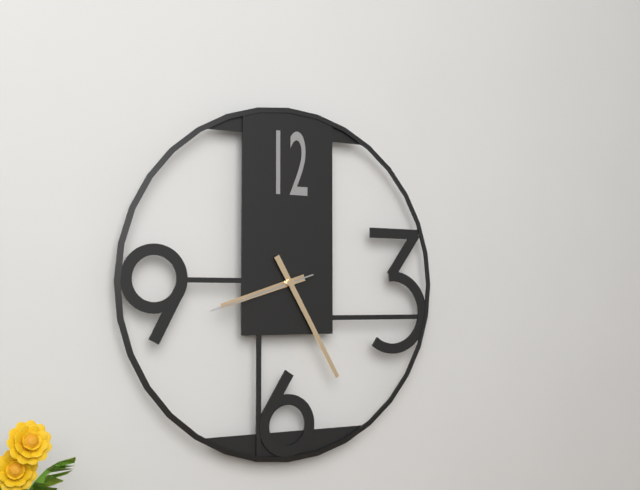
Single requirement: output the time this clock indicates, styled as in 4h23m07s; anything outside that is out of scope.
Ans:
8h25m42s
